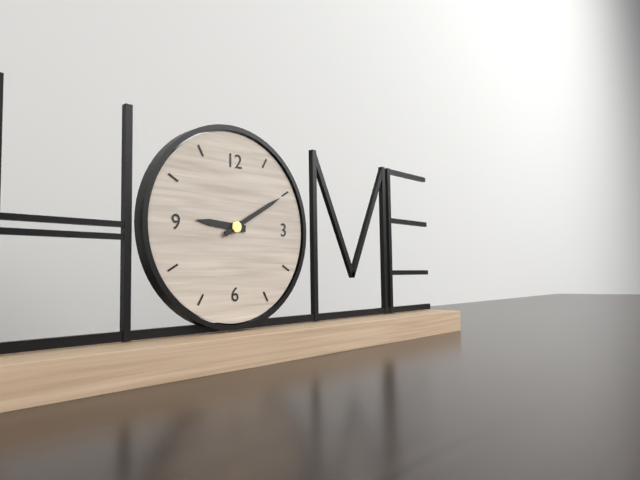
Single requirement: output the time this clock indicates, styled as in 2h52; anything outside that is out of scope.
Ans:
9h10
